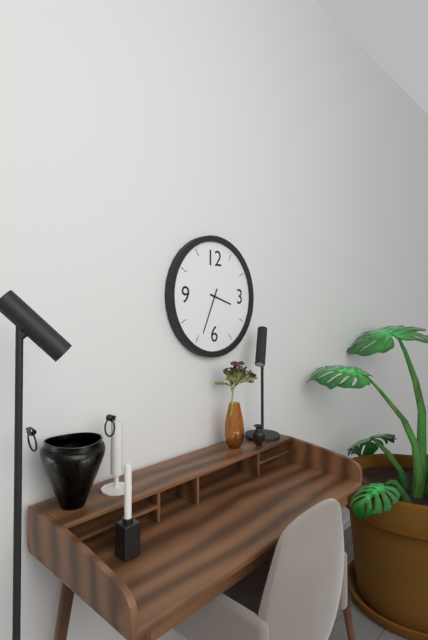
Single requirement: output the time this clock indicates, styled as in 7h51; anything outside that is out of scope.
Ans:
3h34
